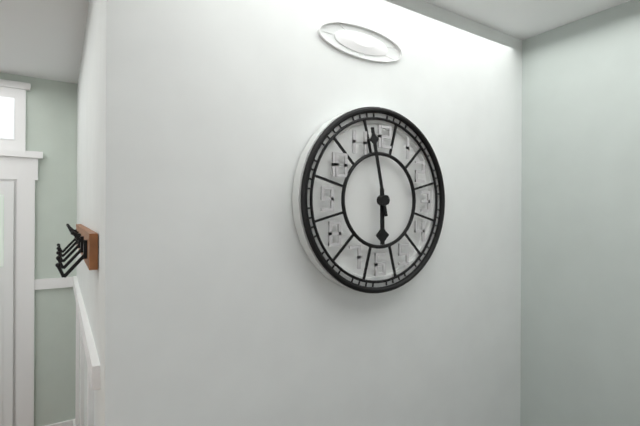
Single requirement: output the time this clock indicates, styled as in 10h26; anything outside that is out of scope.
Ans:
5h58
